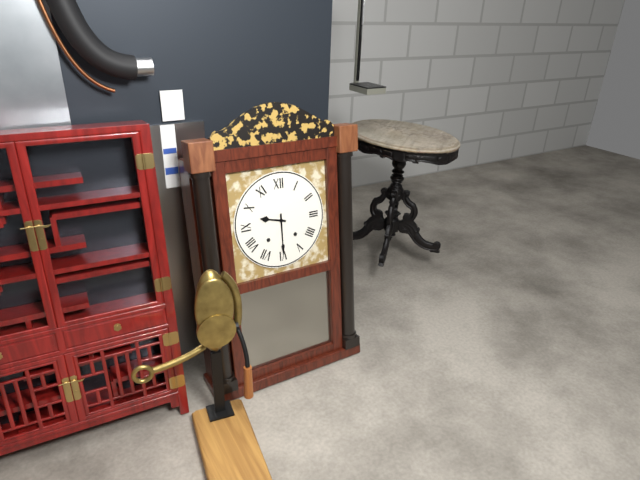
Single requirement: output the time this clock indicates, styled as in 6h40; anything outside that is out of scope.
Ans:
9h30
